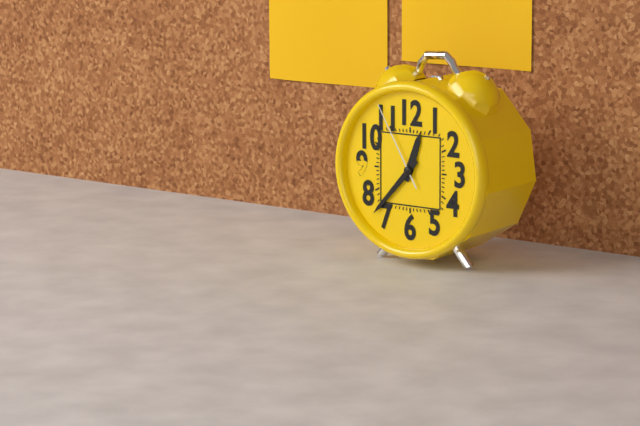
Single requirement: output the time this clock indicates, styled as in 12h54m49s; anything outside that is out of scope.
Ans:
12h37m55s
